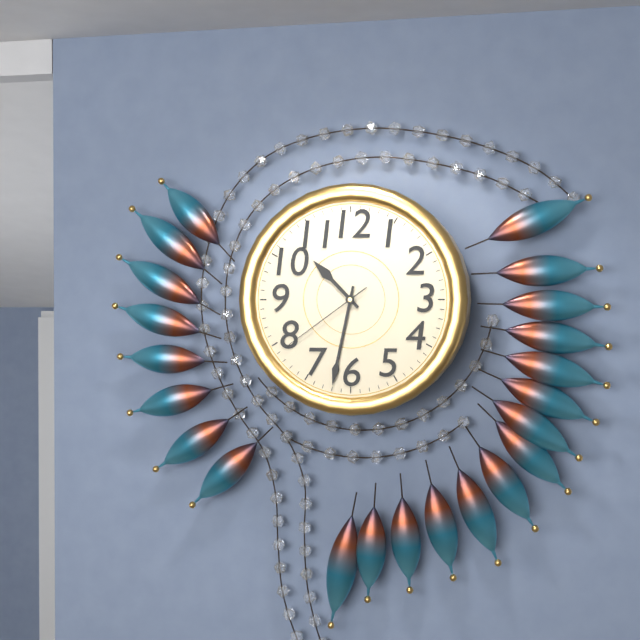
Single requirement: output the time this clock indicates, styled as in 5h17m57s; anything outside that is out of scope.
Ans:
10h32m39s
